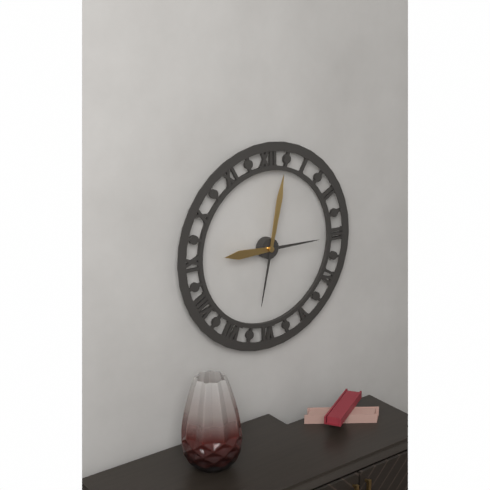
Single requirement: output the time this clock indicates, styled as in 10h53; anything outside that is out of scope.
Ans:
9h02
